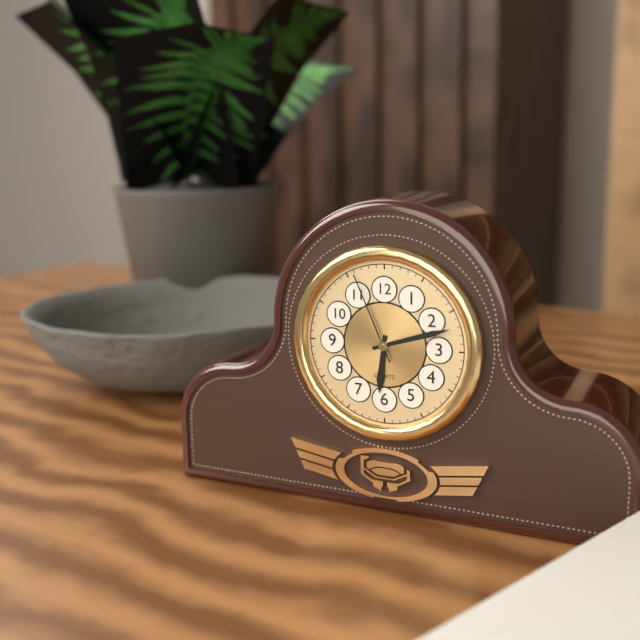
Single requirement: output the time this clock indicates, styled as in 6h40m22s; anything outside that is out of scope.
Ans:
6h12m56s
